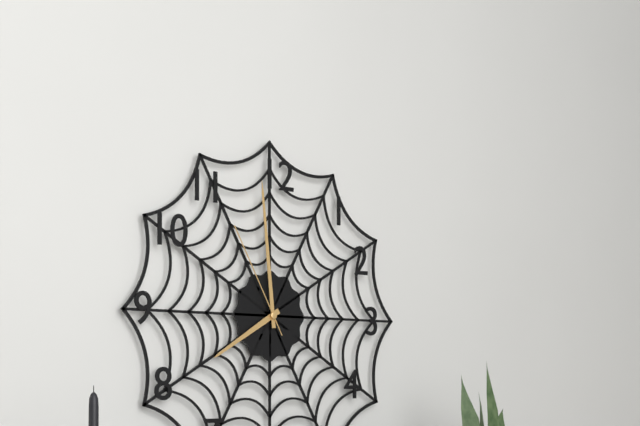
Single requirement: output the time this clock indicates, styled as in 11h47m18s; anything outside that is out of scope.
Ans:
7h59m55s
